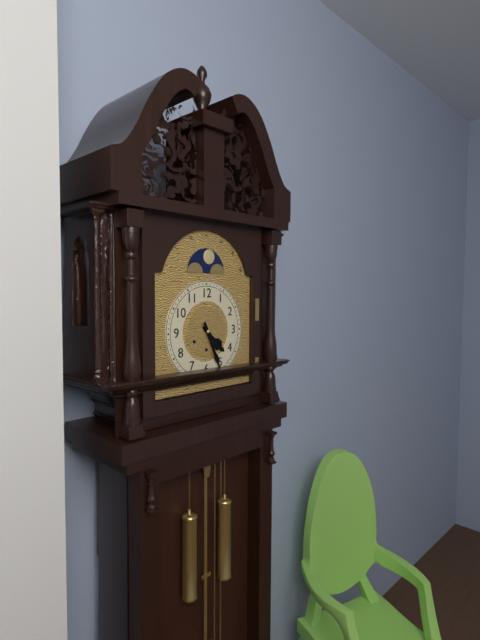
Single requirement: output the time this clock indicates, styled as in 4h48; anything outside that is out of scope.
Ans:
4h26
